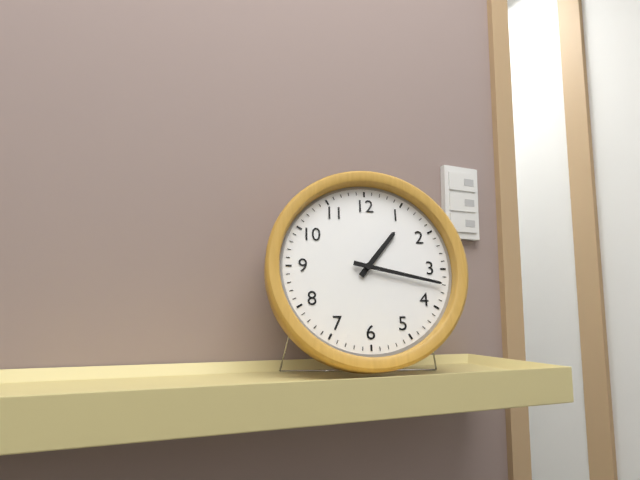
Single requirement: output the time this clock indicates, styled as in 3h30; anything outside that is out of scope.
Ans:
1h17
